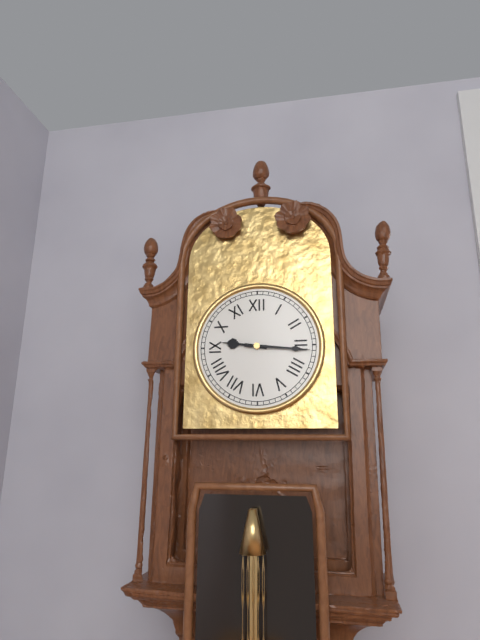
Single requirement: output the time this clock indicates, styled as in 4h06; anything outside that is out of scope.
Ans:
9h16
